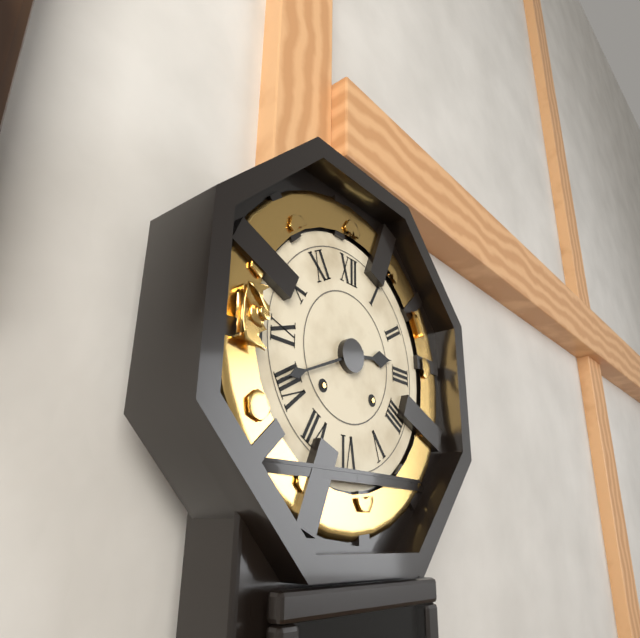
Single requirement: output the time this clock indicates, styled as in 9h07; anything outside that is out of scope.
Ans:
2h41
